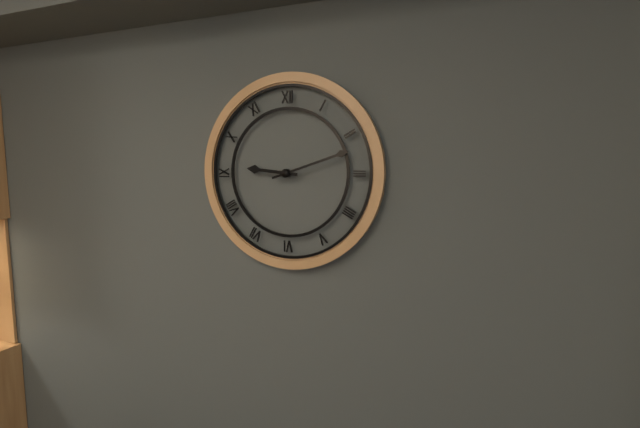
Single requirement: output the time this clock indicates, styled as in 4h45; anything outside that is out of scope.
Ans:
9h12
